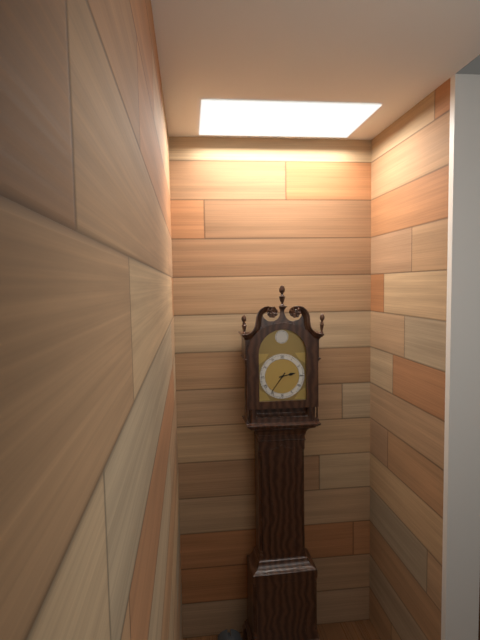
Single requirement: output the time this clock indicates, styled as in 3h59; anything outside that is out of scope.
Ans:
2h36
